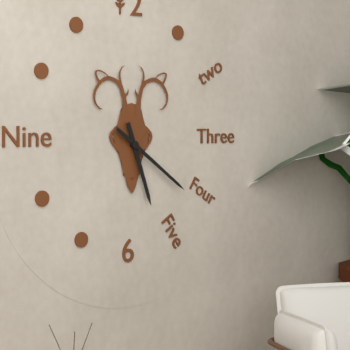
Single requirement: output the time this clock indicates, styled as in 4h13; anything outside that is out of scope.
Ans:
5h21
